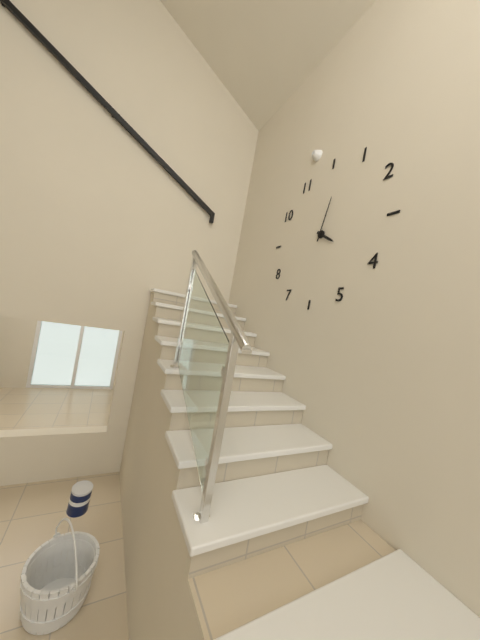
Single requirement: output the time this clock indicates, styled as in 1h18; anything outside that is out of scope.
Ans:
4h02
